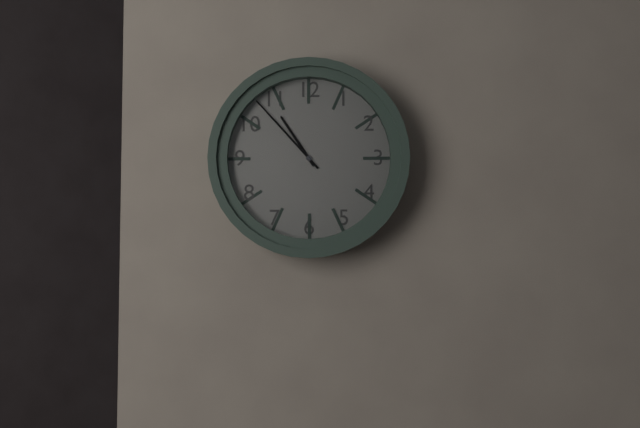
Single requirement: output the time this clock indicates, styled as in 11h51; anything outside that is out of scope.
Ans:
10h53
